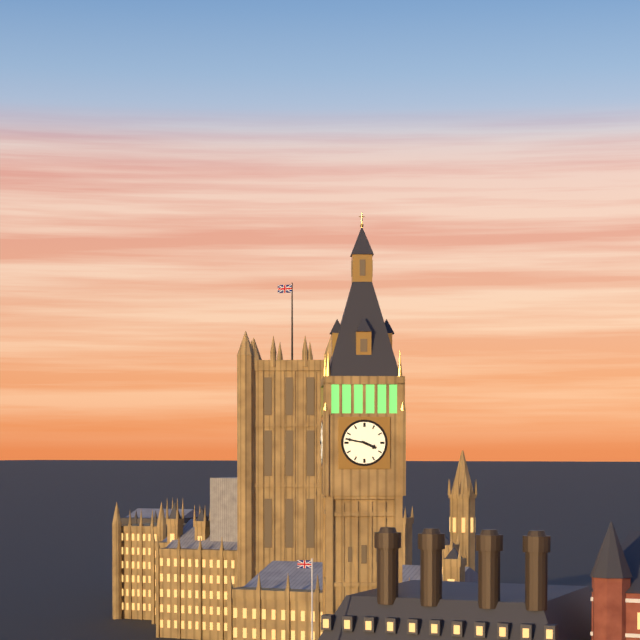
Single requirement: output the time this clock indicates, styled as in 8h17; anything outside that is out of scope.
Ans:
3h47
